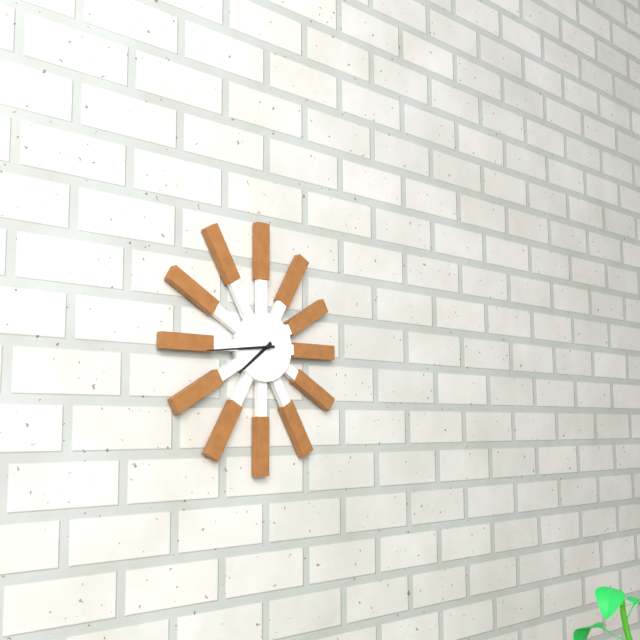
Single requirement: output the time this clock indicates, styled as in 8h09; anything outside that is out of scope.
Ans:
7h44
